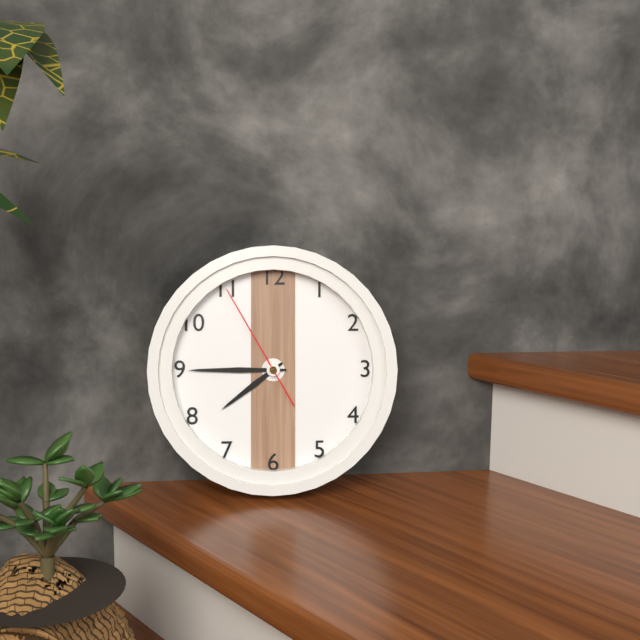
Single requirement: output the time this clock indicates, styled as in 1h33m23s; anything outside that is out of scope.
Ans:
7h45m55s
